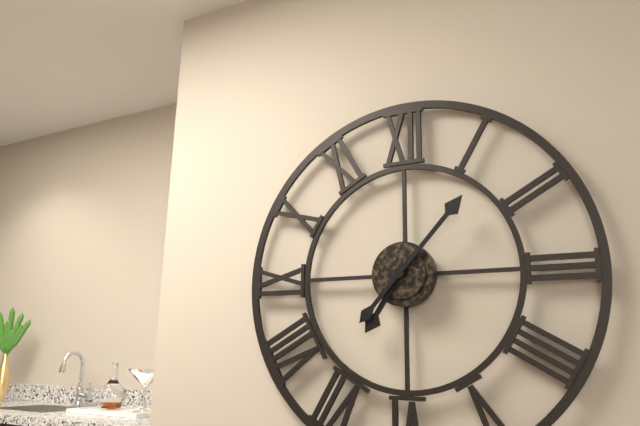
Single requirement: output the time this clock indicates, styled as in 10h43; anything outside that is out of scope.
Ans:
7h07
